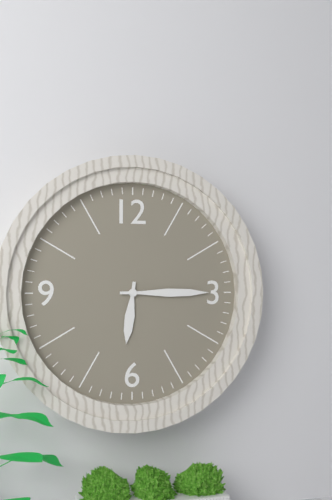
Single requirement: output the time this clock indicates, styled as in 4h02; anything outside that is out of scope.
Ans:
6h15
